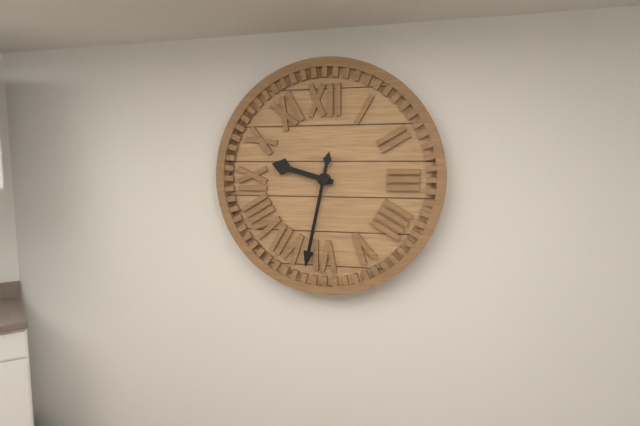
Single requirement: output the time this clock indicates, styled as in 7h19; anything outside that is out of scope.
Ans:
9h32
